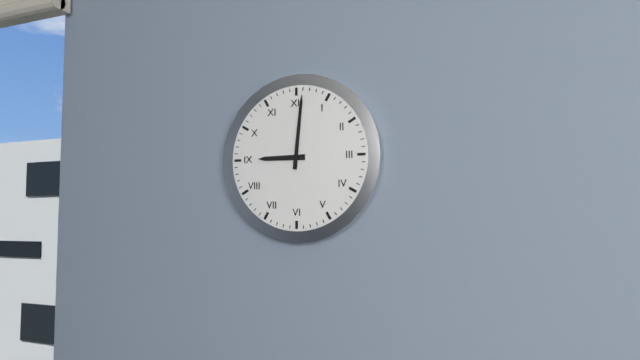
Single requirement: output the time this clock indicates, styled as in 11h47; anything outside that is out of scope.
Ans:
9h01
